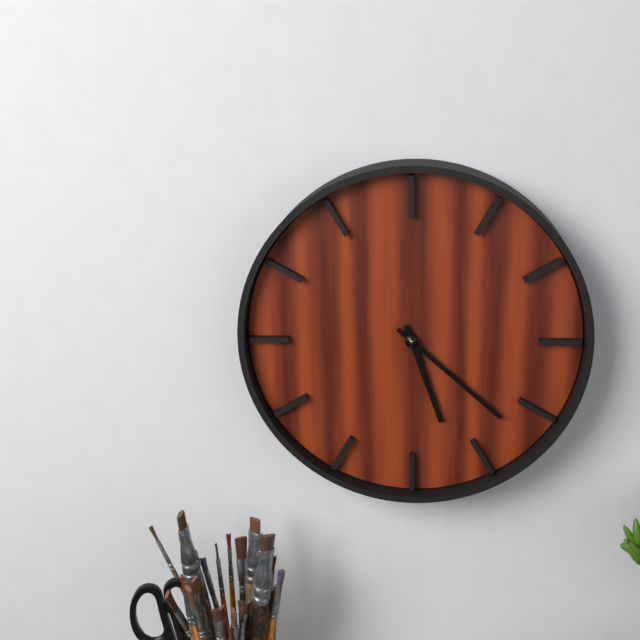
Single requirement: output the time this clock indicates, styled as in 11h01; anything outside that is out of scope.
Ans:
5h22
